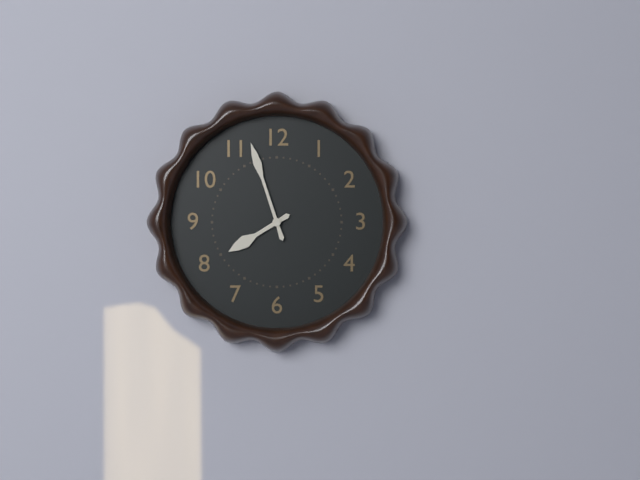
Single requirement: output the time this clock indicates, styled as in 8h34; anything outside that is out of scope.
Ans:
7h57
